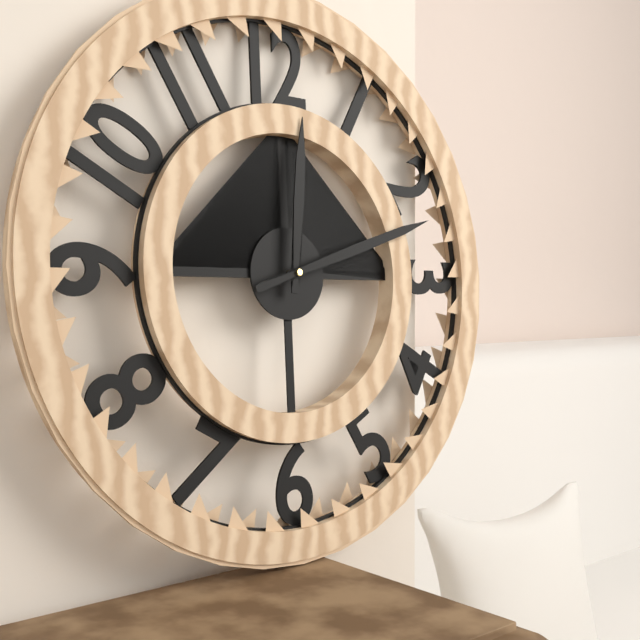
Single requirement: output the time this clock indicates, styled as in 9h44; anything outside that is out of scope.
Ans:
12h12
